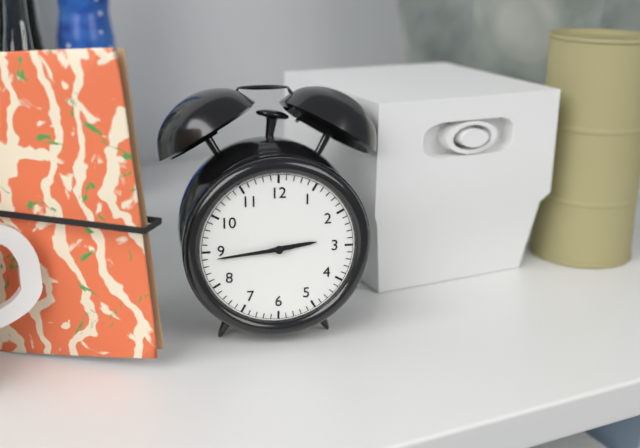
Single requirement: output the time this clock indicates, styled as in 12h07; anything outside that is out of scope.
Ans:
2h44
